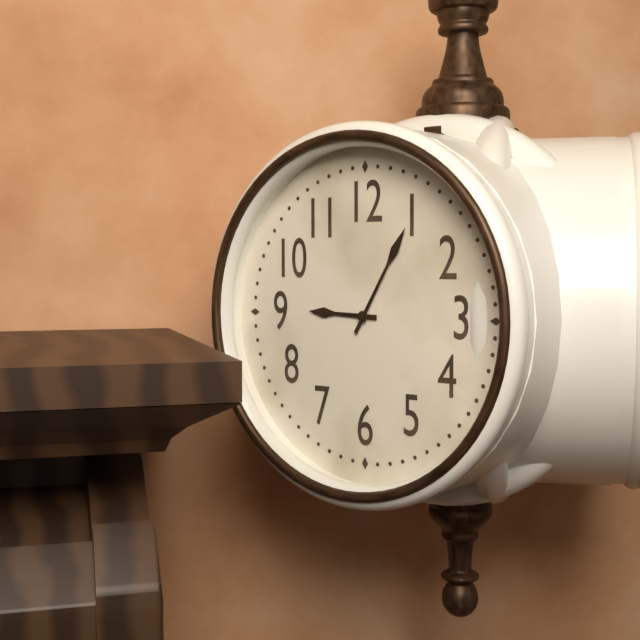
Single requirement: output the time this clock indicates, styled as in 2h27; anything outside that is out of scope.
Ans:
9h05
